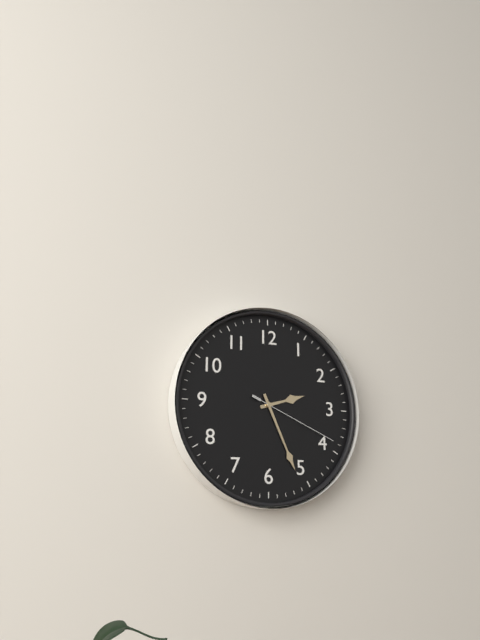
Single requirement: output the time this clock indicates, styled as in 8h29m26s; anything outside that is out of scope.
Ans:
2h26m19s
